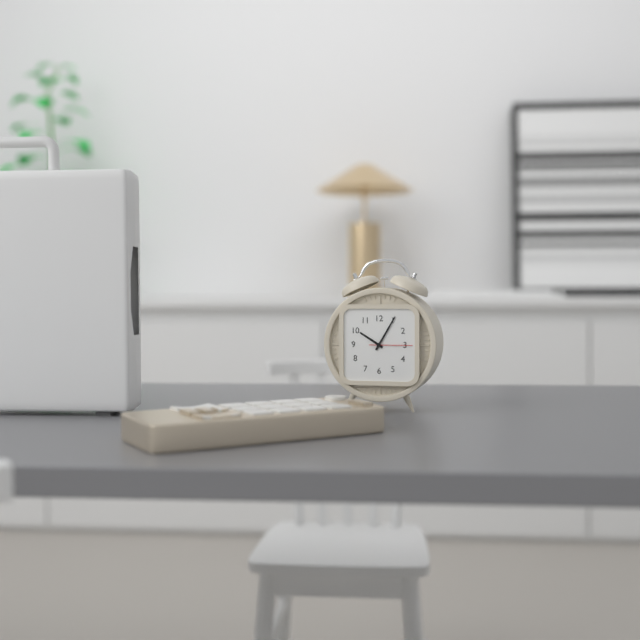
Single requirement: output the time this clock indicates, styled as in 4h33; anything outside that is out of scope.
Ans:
10h05
